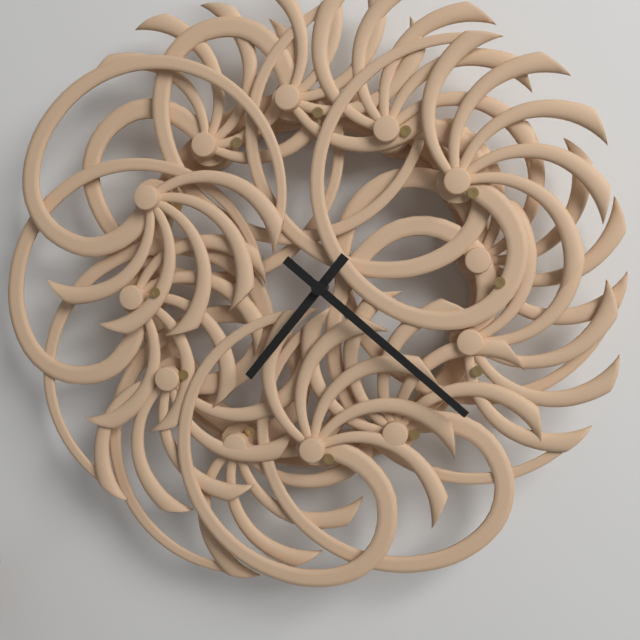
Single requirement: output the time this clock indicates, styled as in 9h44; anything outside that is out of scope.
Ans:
7h22
